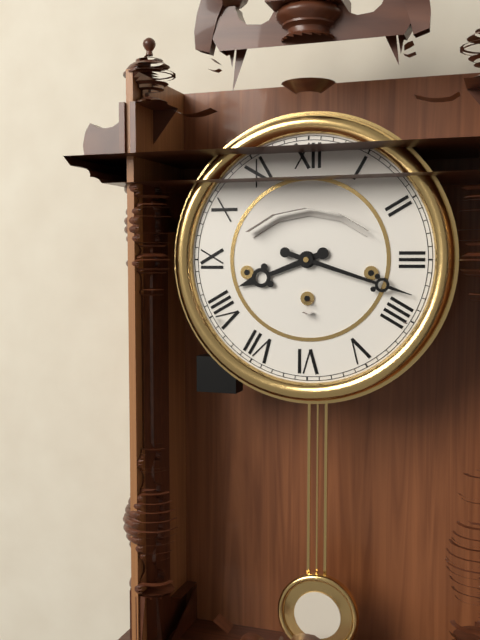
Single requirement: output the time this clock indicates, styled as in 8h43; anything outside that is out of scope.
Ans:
8h18
